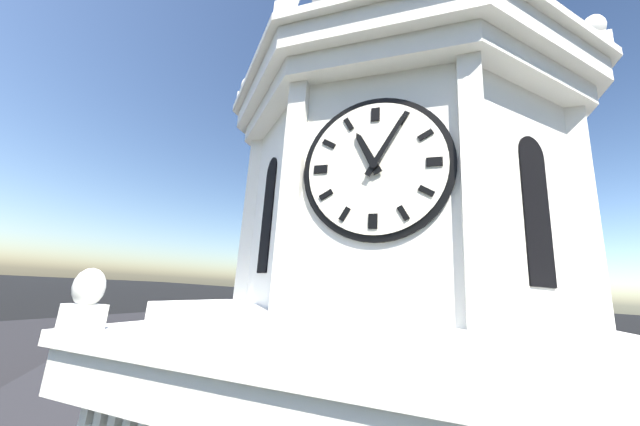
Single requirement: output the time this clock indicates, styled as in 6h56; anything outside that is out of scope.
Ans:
11h05
